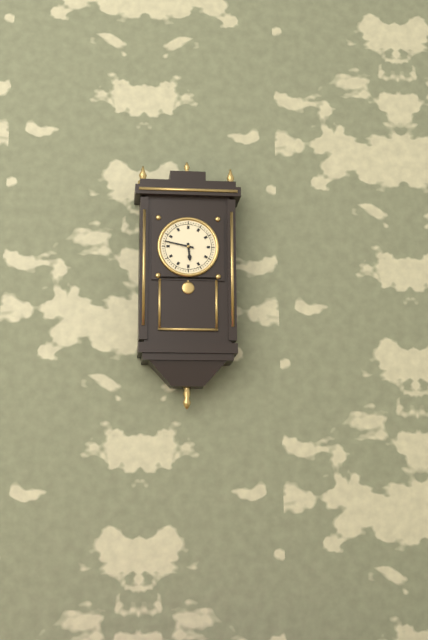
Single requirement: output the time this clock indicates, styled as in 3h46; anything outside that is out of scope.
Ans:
5h47
